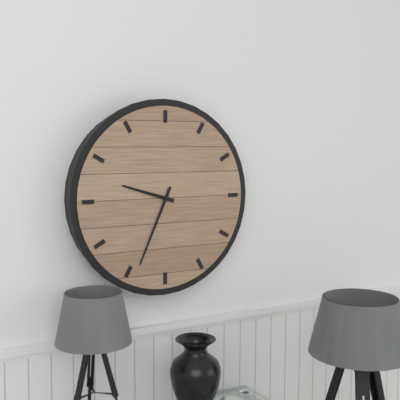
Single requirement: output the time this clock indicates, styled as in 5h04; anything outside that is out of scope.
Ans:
9h34
